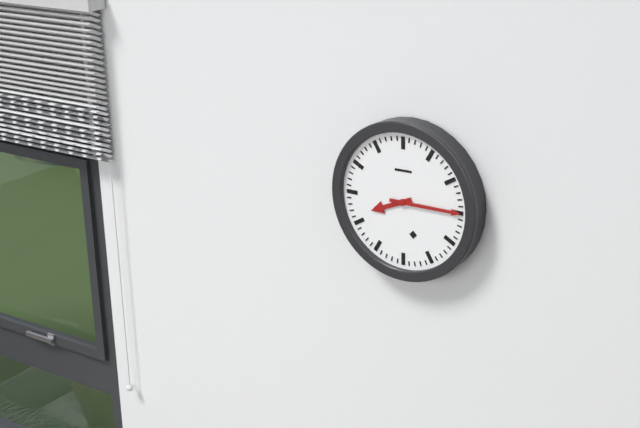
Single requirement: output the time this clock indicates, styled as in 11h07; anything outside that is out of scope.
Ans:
8h15
